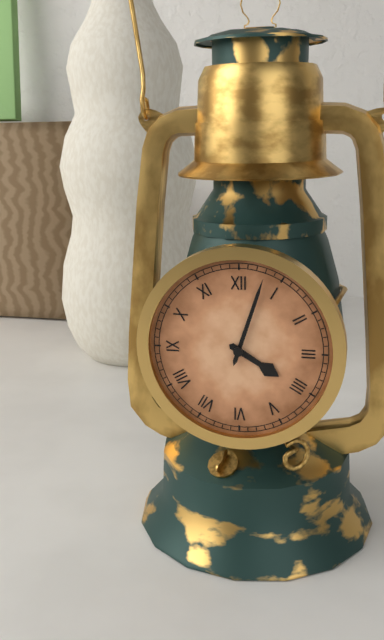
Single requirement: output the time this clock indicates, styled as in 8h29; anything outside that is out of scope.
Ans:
4h03
